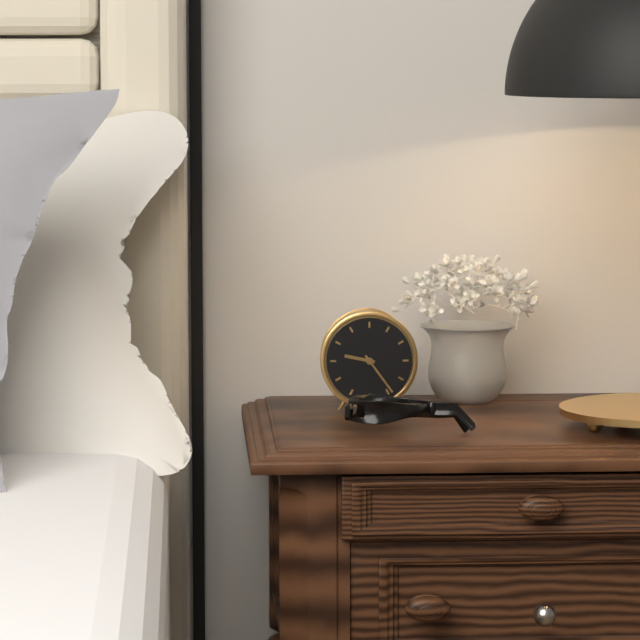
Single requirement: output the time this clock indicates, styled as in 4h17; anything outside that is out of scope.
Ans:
9h24
